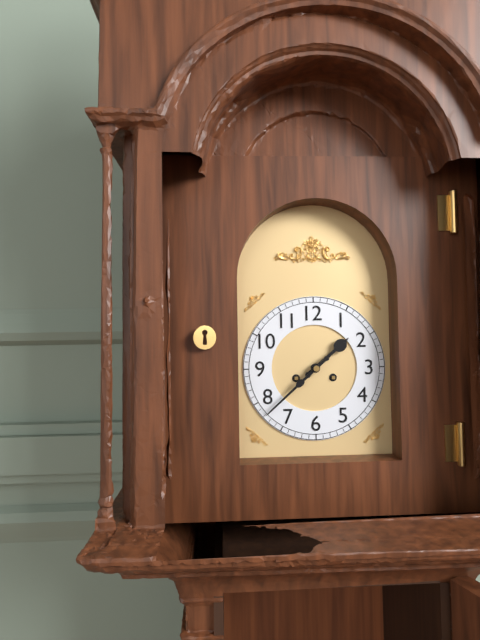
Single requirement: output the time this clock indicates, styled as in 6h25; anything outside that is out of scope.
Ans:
1h38
